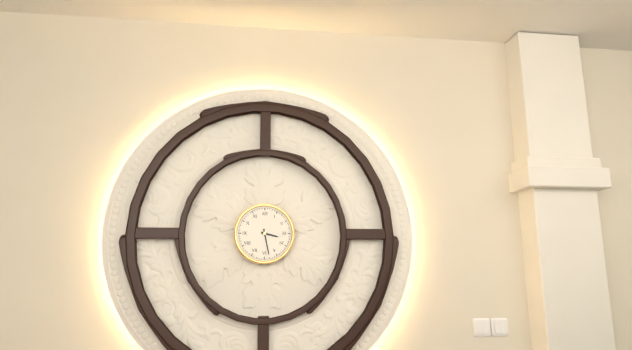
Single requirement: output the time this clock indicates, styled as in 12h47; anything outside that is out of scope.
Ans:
3h28
